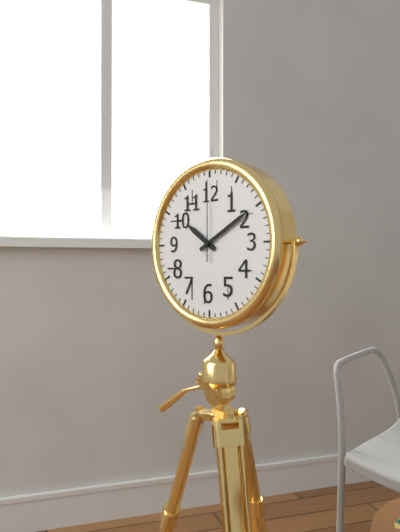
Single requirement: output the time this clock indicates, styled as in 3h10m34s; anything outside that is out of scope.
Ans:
10h10m00s
